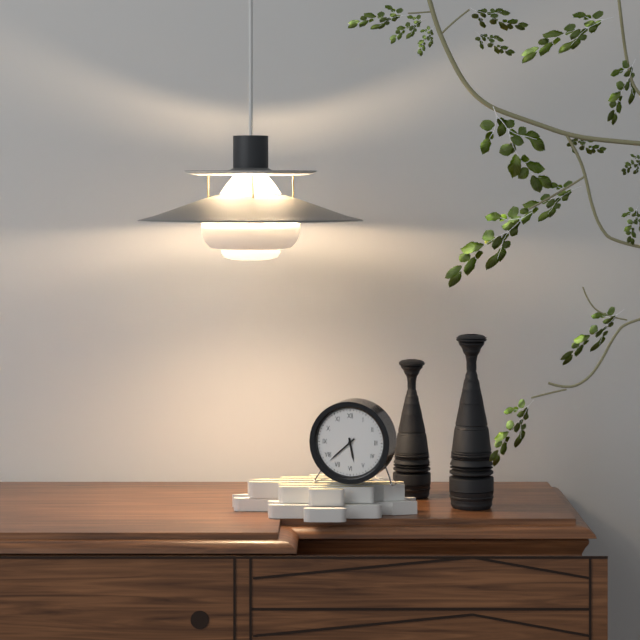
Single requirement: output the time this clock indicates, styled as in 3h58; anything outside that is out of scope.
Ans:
5h38
